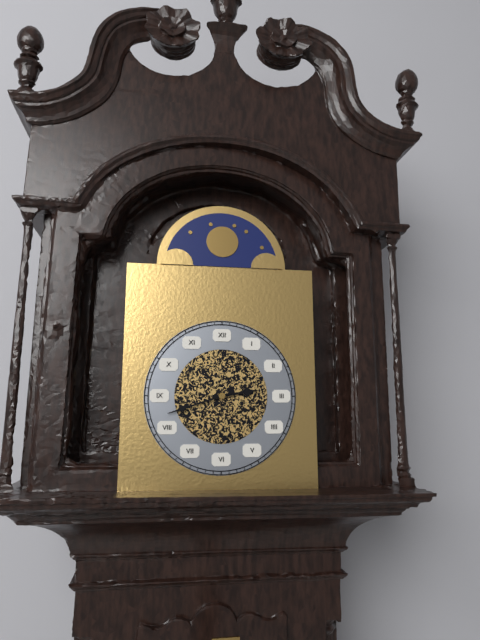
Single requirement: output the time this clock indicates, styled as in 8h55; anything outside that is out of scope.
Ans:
2h42
